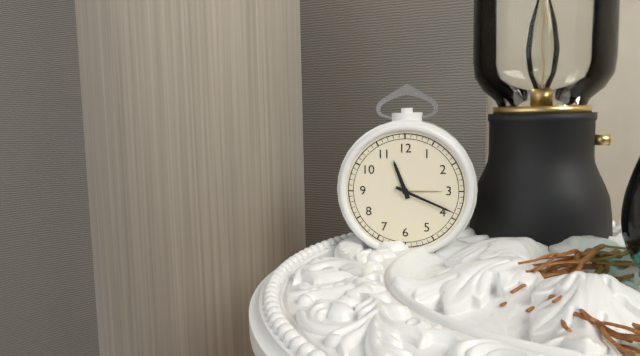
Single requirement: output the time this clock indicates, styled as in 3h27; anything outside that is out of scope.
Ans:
11h19
